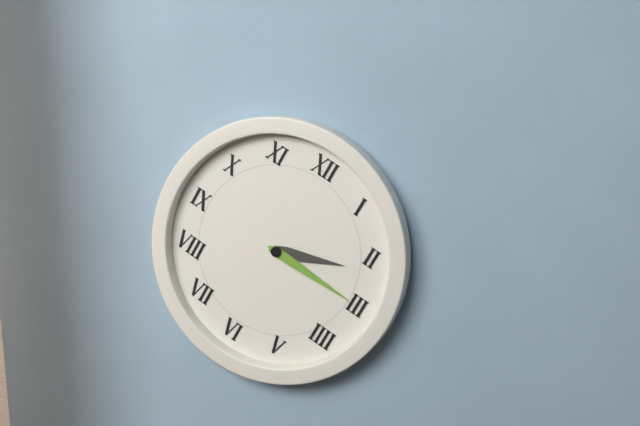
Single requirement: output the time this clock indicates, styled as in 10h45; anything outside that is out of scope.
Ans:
2h15
